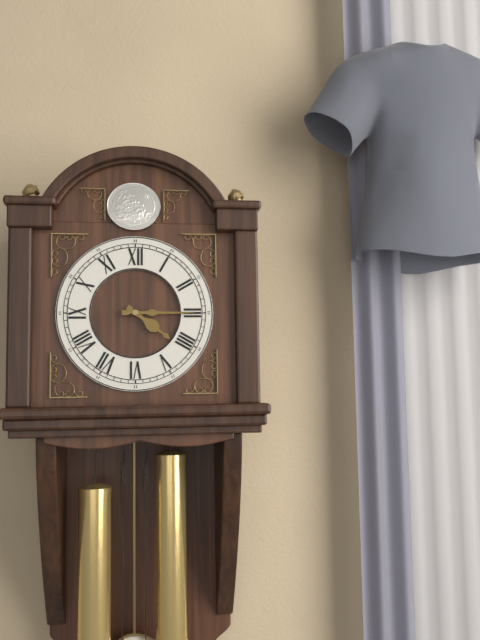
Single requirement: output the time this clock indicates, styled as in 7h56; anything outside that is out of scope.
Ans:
4h15
